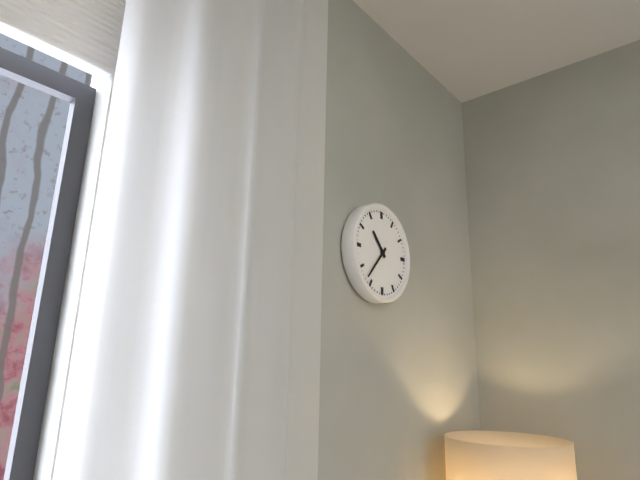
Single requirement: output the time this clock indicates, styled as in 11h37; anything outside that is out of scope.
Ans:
10h37
